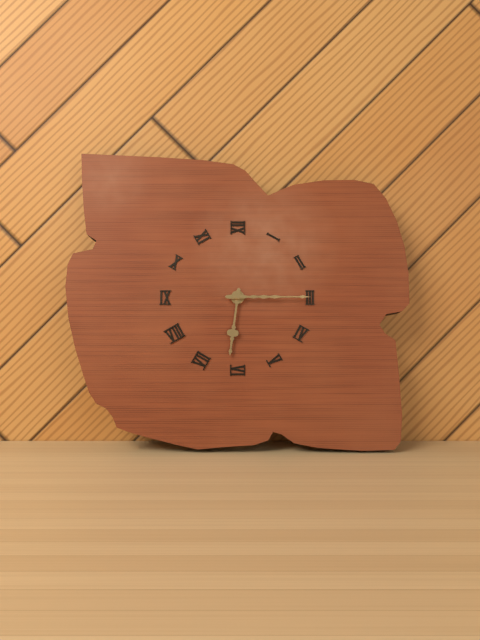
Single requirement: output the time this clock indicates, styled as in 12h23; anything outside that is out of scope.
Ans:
6h15
